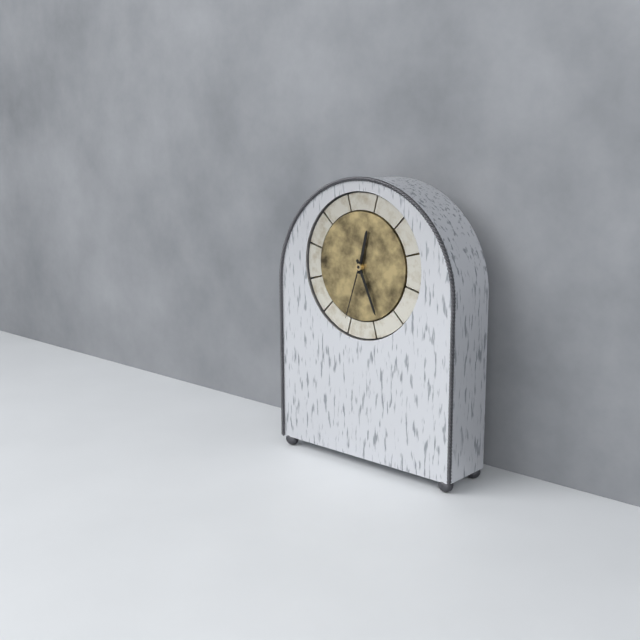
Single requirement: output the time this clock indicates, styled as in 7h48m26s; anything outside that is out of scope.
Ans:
12h26m33s
